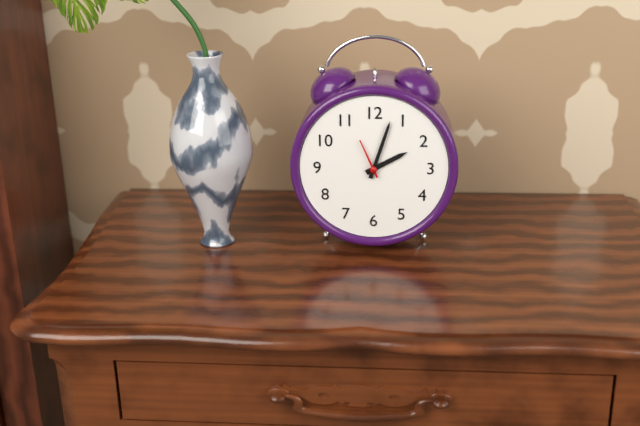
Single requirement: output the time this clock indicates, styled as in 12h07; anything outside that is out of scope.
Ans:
2h03
